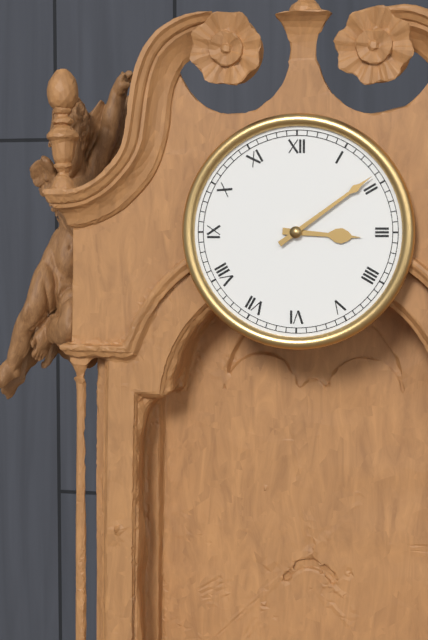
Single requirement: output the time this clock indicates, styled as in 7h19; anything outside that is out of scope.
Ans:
3h09
